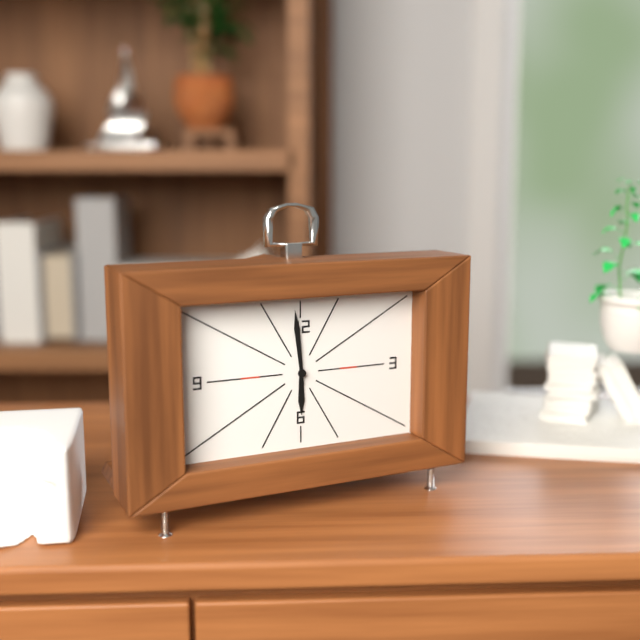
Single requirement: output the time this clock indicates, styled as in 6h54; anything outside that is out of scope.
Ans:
5h59
